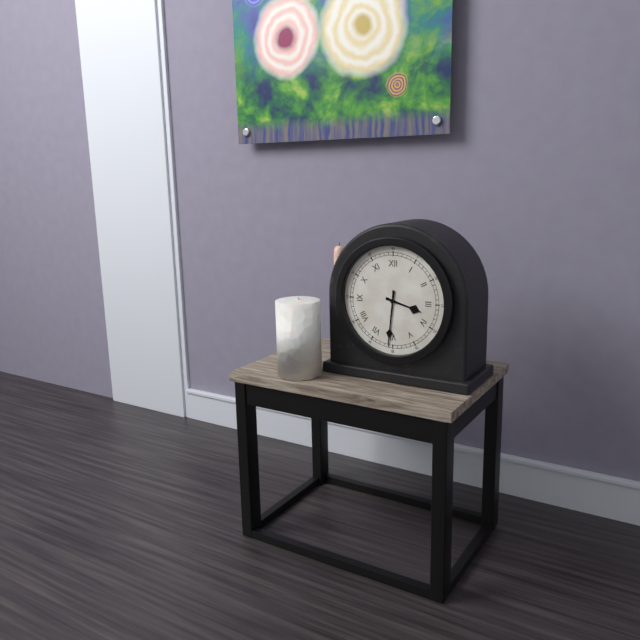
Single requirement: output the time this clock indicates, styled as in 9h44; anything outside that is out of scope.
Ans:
3h31
